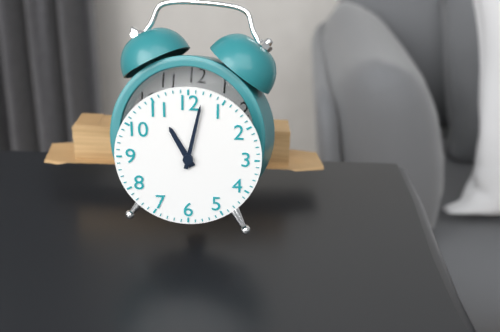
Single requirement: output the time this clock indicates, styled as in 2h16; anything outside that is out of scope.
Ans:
11h02
